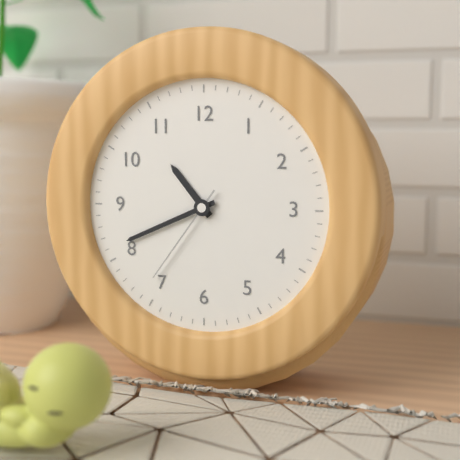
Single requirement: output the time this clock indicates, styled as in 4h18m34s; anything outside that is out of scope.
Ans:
10h41m36s
